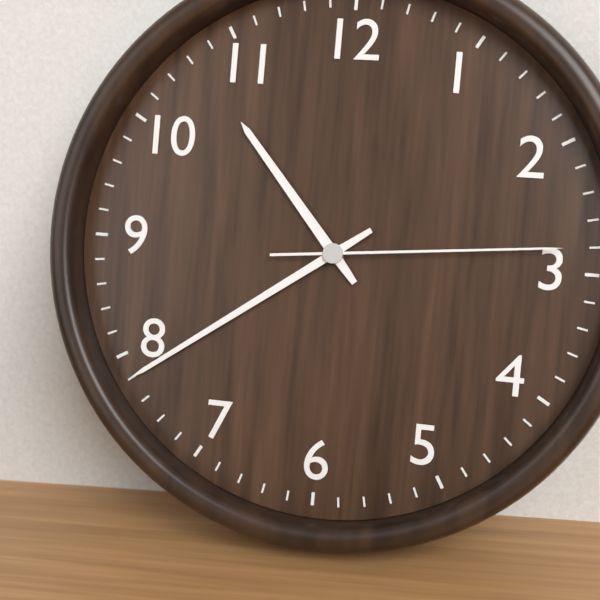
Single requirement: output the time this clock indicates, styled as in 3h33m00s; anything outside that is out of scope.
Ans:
10h39m14s
